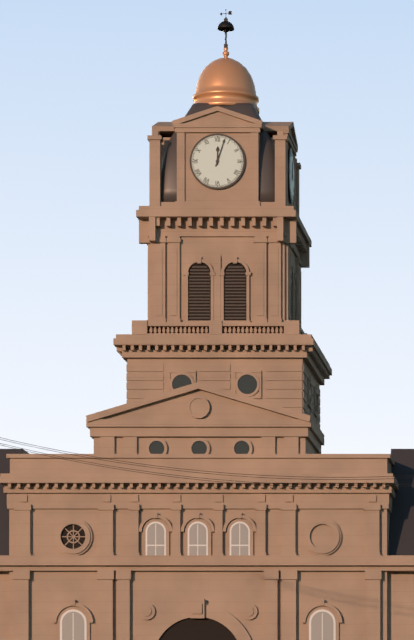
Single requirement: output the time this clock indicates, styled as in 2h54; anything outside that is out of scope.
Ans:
12h03
